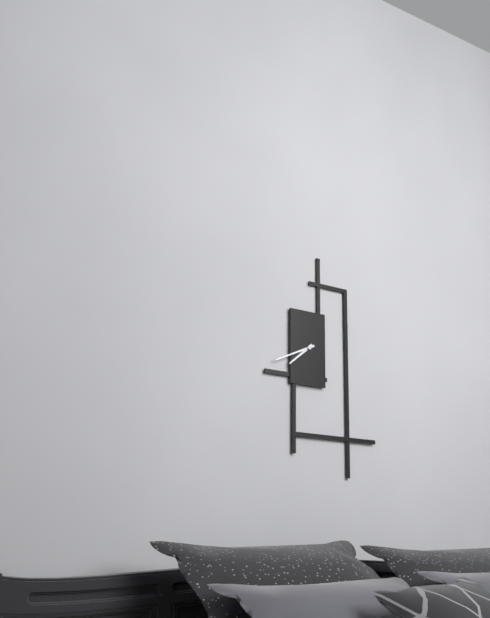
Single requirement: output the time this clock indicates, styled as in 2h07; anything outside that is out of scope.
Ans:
7h41
